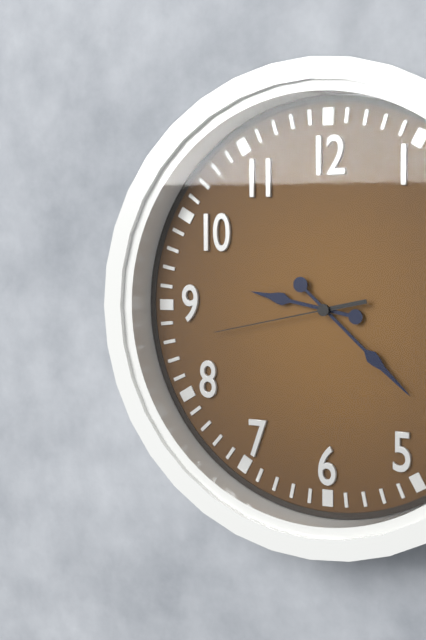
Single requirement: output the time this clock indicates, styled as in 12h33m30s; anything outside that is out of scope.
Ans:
9h22m43s
